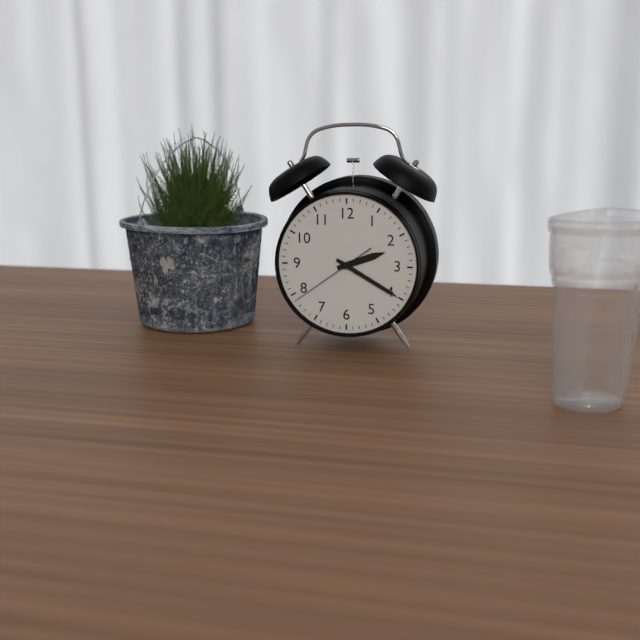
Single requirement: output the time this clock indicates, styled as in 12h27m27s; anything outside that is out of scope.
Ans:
2h20m39s
